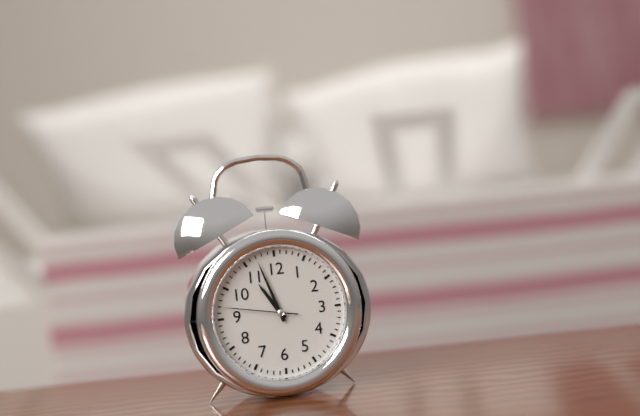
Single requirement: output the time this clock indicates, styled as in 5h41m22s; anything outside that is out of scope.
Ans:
10h57m47s
